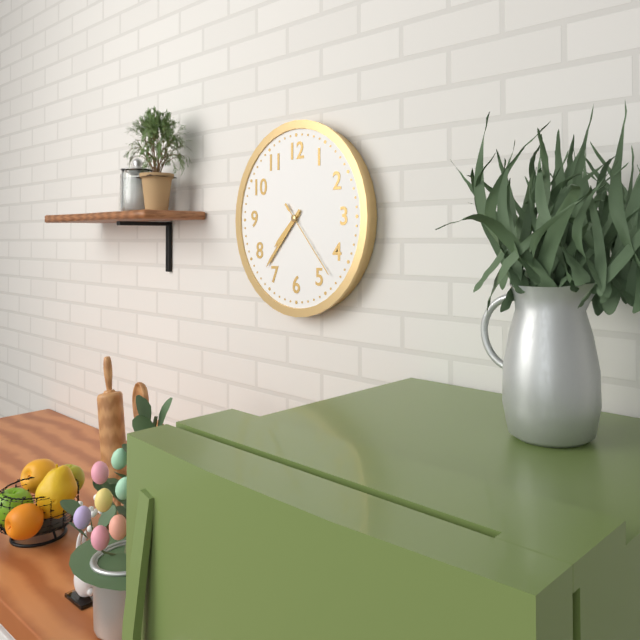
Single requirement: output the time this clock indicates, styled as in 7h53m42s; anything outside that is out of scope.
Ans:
7h37m23s
